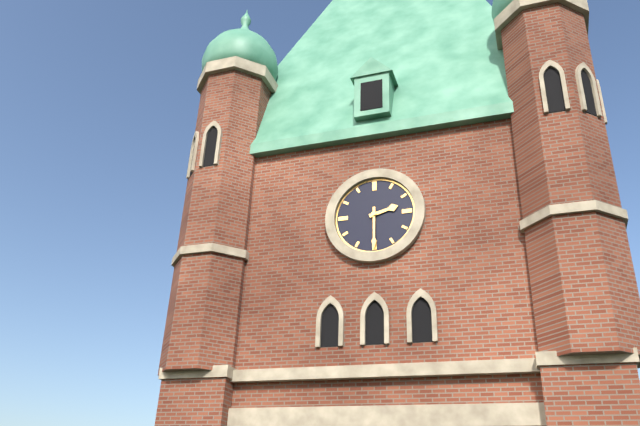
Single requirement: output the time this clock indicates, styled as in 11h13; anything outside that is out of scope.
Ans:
2h30
